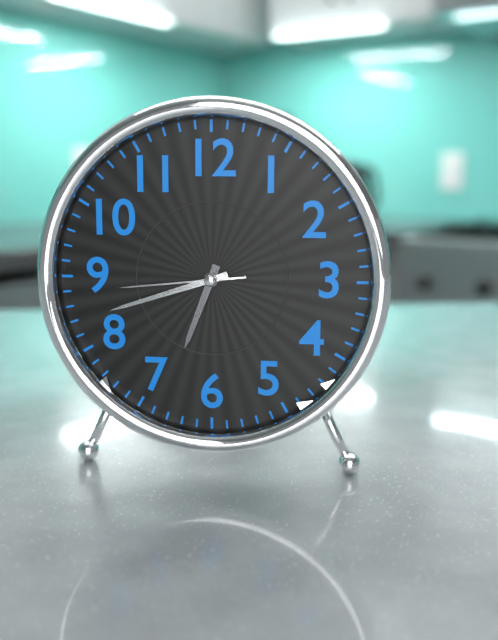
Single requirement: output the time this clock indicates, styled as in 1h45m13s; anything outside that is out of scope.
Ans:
6h42m44s
